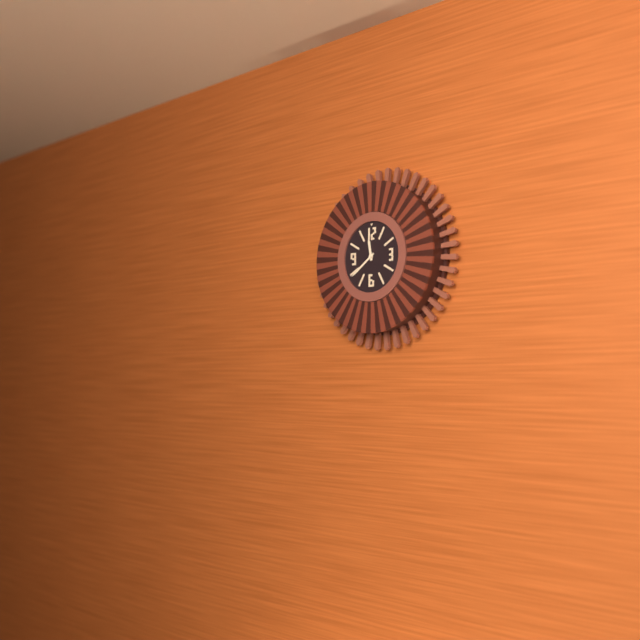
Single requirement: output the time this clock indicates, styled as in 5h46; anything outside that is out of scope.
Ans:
11h39
